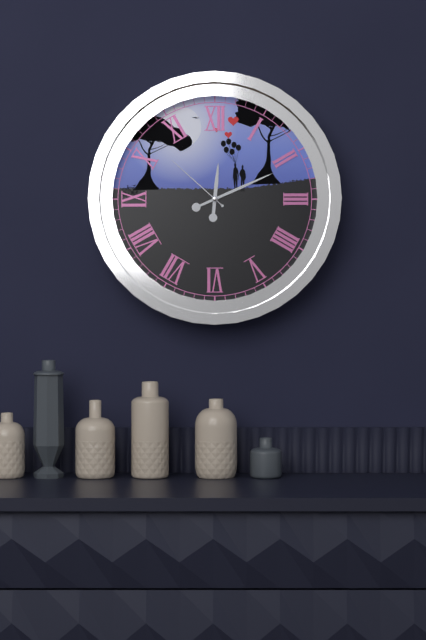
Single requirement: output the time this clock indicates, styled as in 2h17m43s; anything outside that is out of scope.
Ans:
12h11m52s
